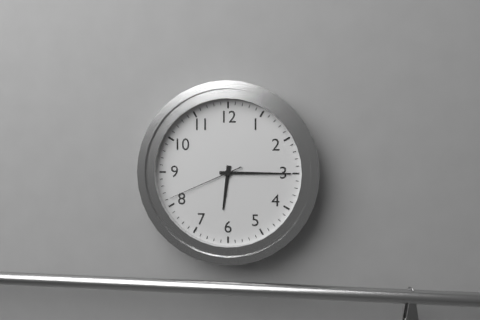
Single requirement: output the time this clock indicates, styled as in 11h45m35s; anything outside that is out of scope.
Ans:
6h15m41s
